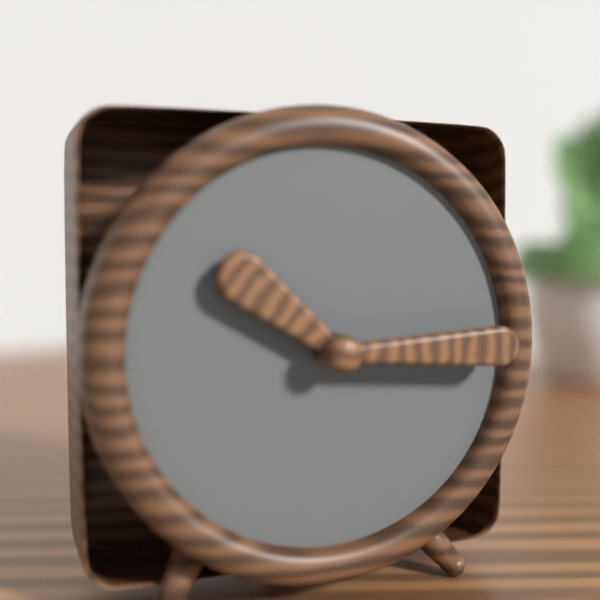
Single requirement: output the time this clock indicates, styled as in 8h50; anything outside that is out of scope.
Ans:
10h15
